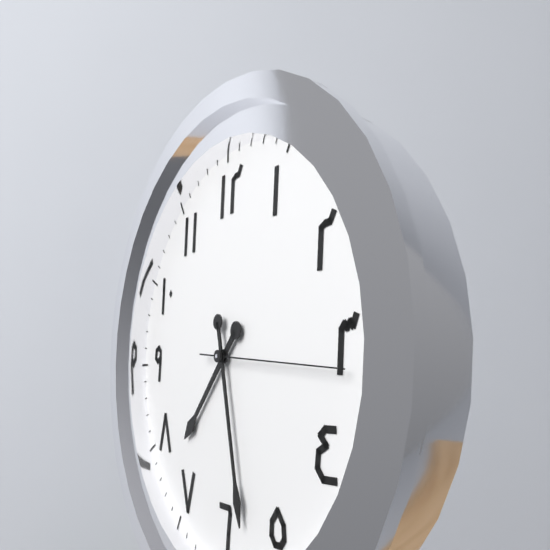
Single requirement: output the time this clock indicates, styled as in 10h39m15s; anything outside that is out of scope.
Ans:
7h28m16s
